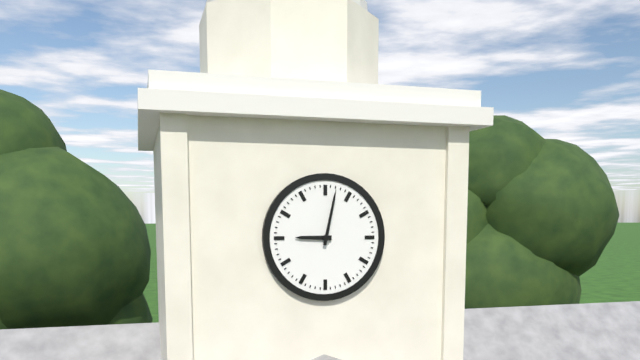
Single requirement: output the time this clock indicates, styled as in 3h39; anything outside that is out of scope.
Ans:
9h02
